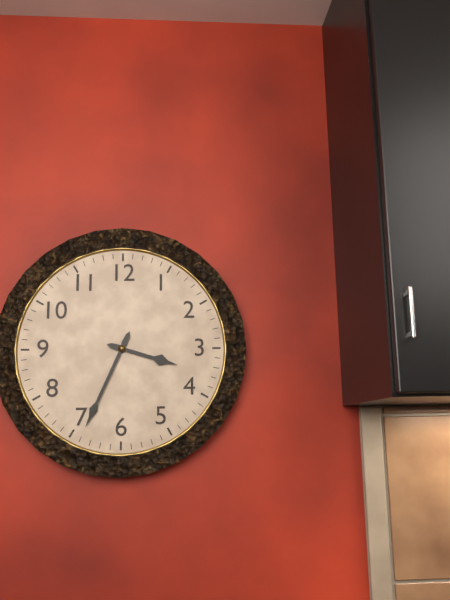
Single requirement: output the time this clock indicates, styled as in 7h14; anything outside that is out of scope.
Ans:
3h34
